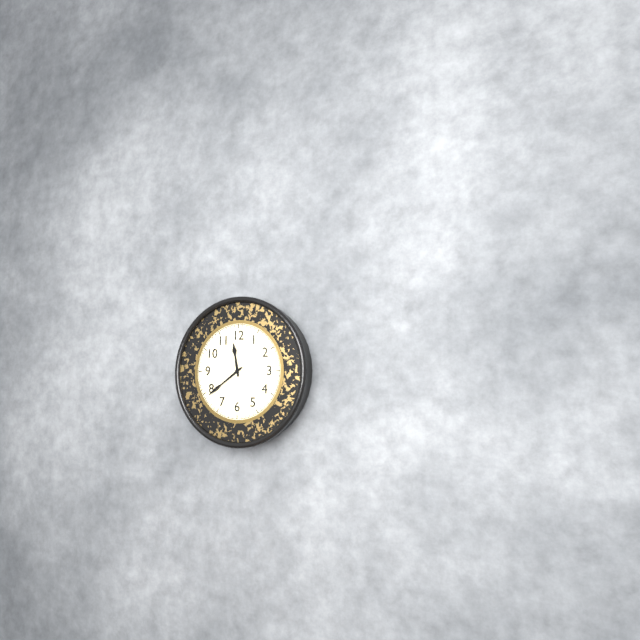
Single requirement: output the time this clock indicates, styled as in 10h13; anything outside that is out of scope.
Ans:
11h39
